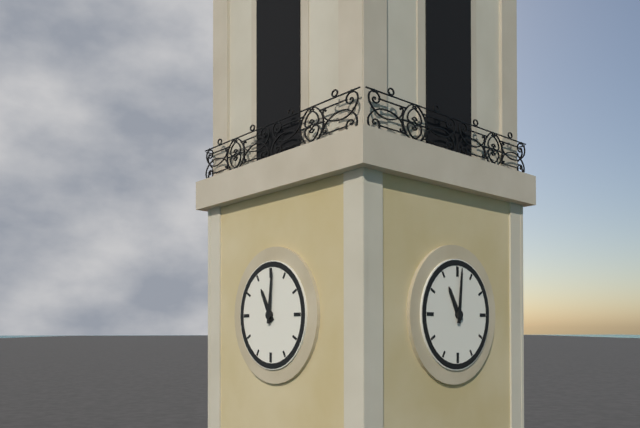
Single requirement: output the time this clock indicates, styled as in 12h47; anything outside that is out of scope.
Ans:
11h01
